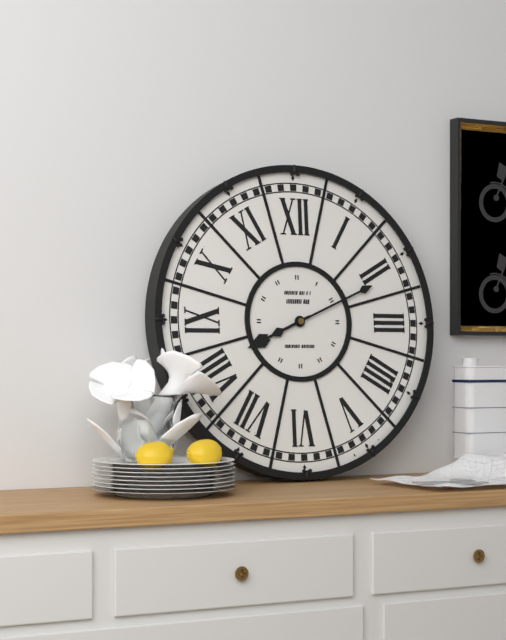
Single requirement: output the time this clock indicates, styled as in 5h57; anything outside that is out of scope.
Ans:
8h11
